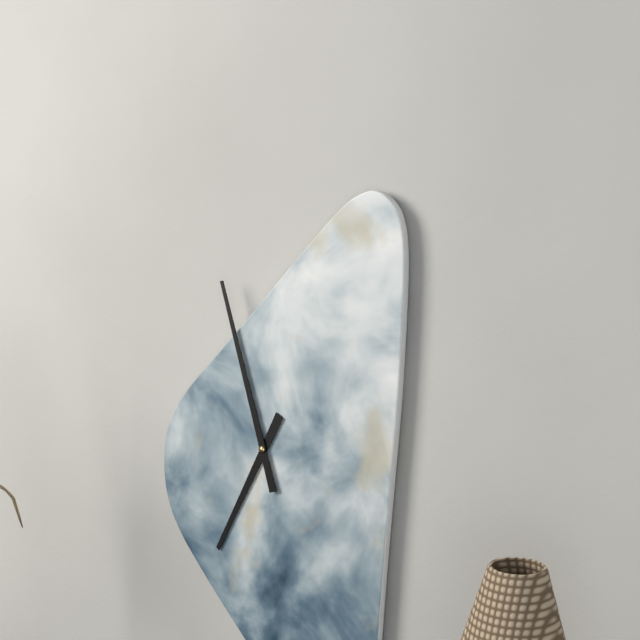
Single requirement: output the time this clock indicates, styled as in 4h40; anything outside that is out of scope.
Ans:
6h57
